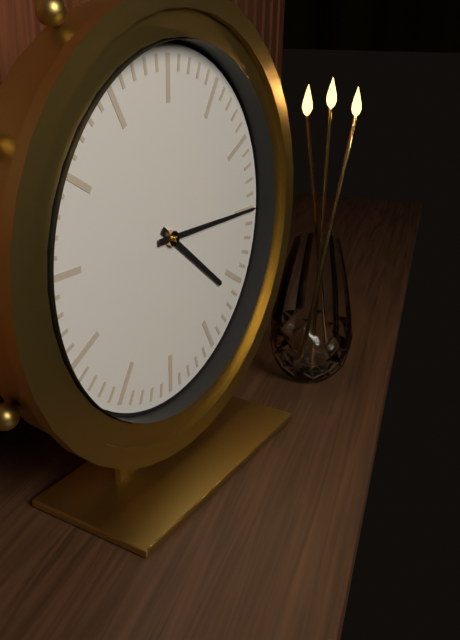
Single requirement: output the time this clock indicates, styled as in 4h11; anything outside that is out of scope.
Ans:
4h15
